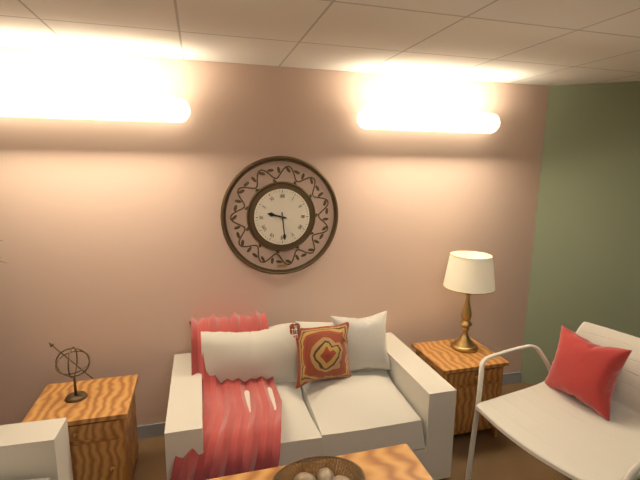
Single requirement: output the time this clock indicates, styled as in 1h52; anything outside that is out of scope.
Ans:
9h29
